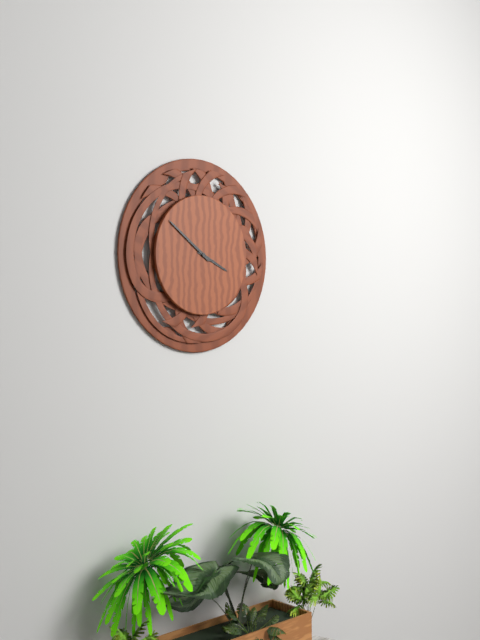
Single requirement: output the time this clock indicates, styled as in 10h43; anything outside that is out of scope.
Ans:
3h51
